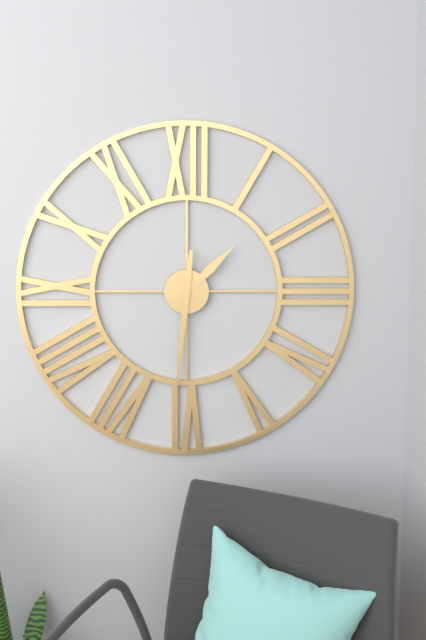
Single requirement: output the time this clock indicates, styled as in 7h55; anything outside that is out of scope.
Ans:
1h31
